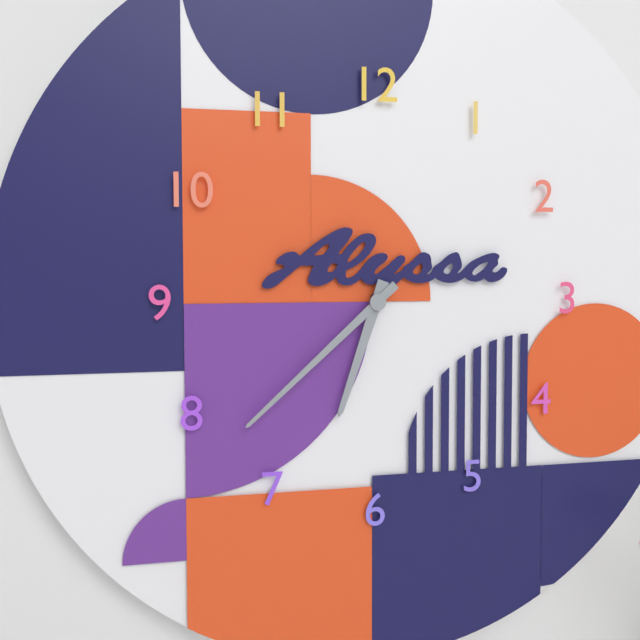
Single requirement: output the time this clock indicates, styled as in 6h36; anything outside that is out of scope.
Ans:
6h38
